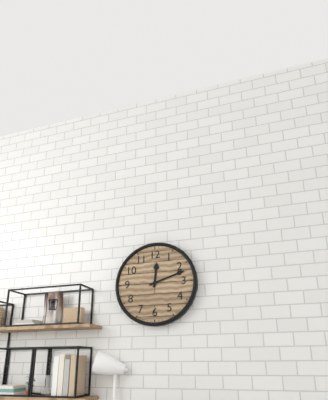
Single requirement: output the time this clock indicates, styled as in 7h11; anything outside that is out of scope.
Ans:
12h12
